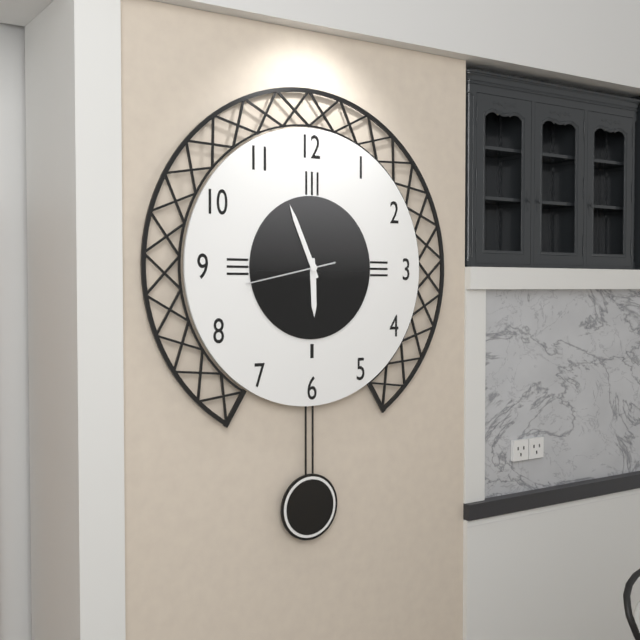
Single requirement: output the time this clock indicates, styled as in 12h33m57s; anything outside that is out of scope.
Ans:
5h56m43s
